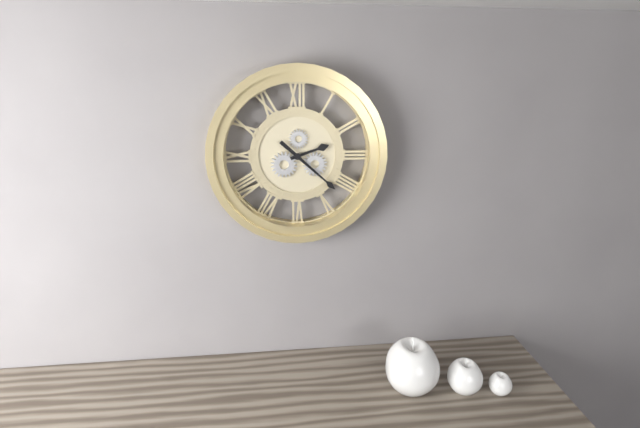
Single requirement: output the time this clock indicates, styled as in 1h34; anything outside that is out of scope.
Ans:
2h22
